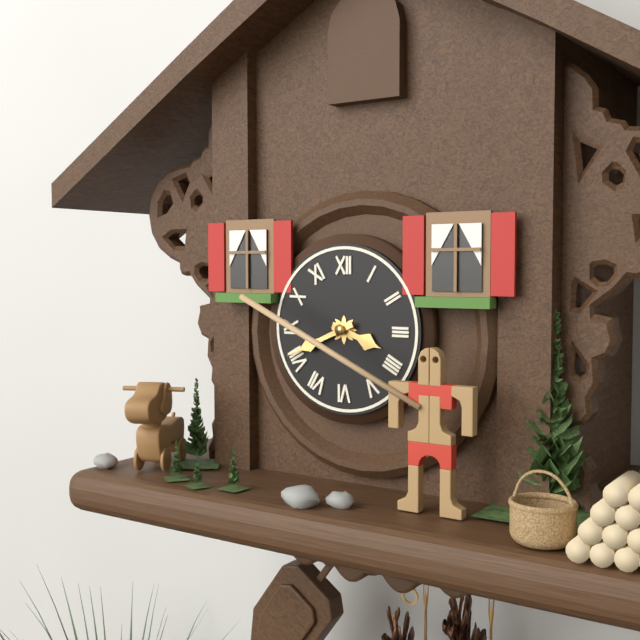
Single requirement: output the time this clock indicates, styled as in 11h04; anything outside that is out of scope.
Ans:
3h41
